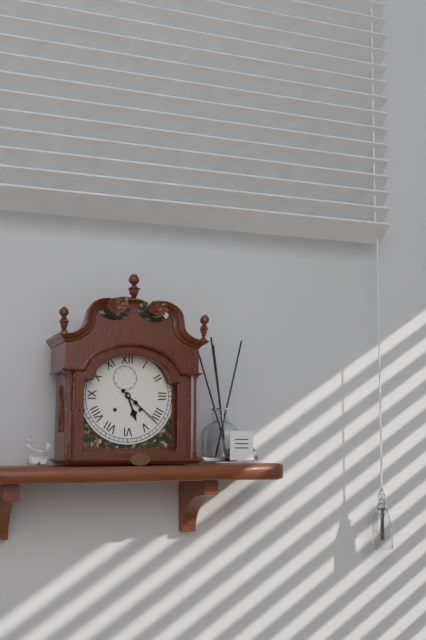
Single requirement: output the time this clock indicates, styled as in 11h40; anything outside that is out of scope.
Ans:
5h22
